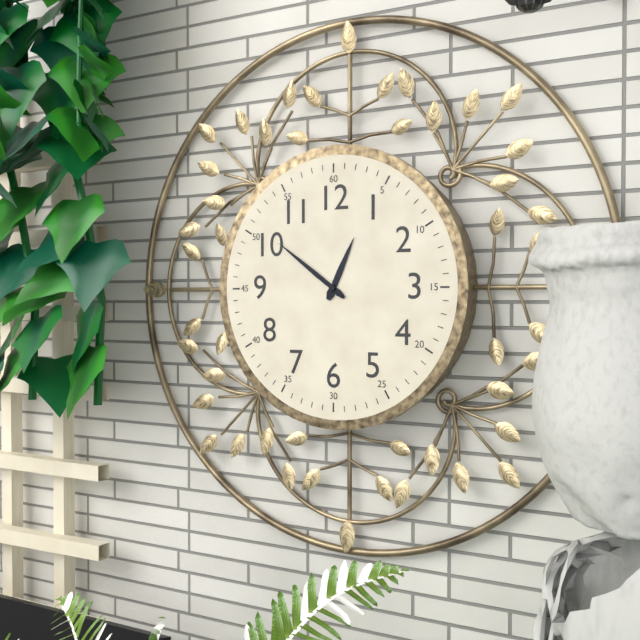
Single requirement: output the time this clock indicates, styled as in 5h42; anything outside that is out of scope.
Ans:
12h51
